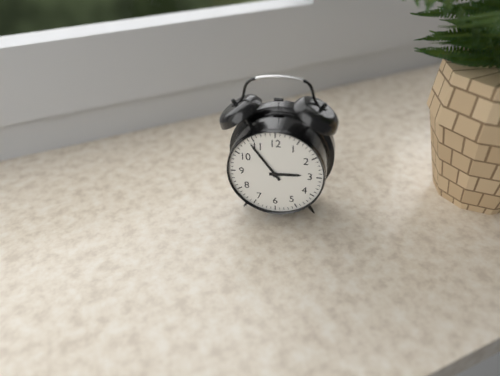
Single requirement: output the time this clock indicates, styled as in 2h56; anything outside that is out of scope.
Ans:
2h54
